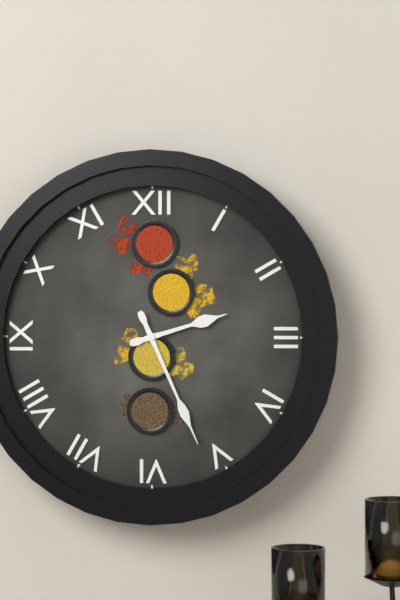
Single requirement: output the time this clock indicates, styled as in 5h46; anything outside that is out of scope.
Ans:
2h26
